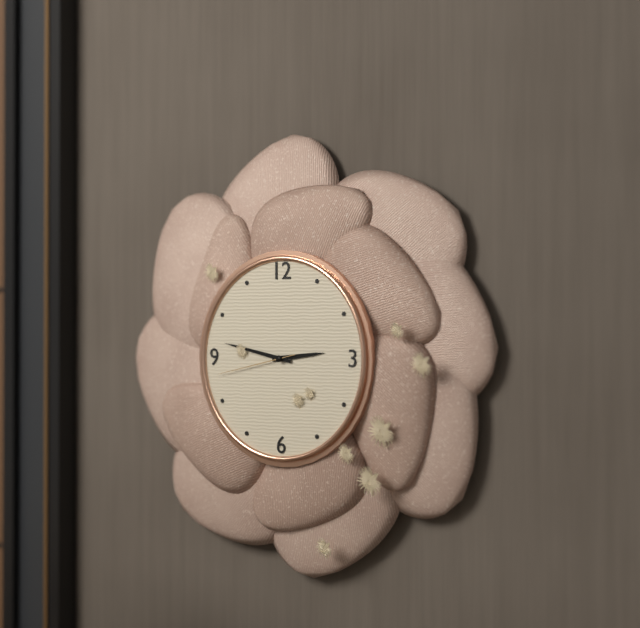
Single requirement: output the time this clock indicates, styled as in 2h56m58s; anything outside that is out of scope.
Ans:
2h47m43s
